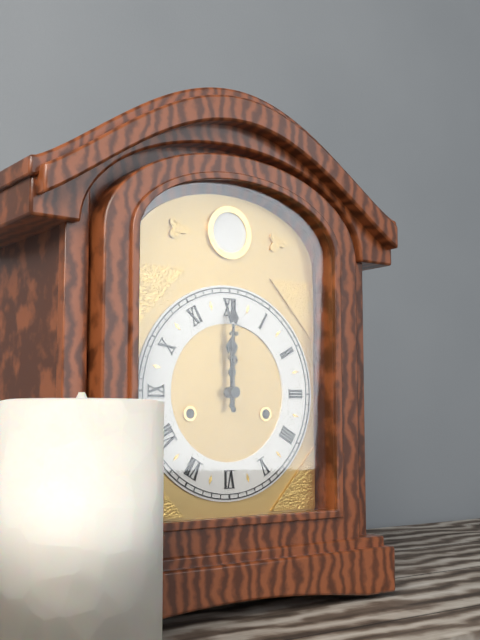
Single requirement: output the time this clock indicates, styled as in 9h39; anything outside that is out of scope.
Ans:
12h00
